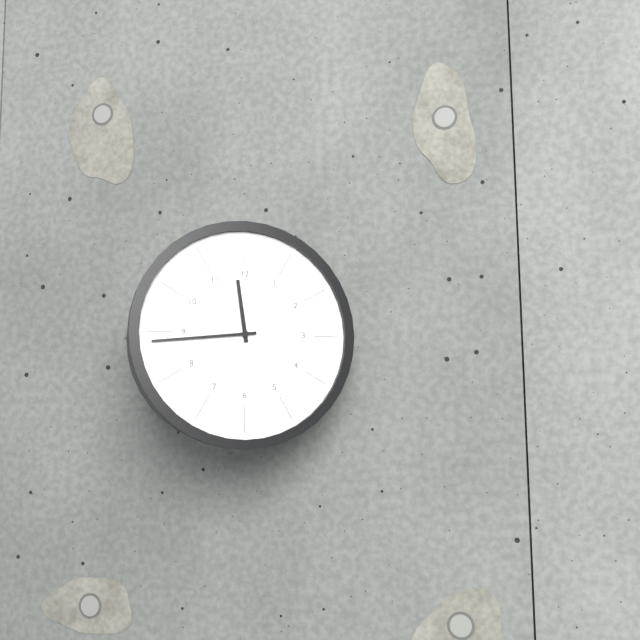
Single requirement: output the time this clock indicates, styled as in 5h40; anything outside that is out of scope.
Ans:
11h44
